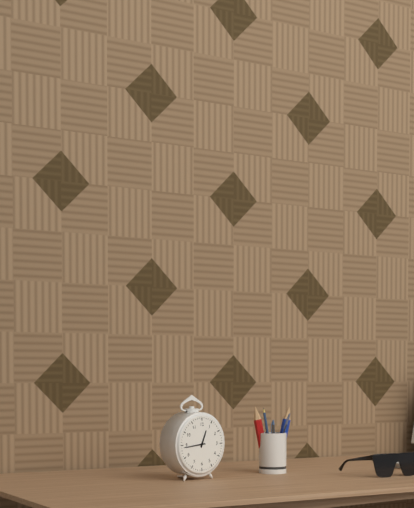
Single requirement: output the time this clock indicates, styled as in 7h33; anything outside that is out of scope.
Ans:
12h44
